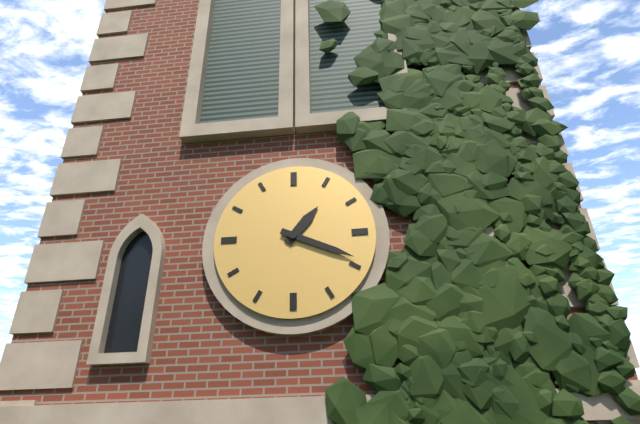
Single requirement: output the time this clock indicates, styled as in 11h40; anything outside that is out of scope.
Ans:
1h19
